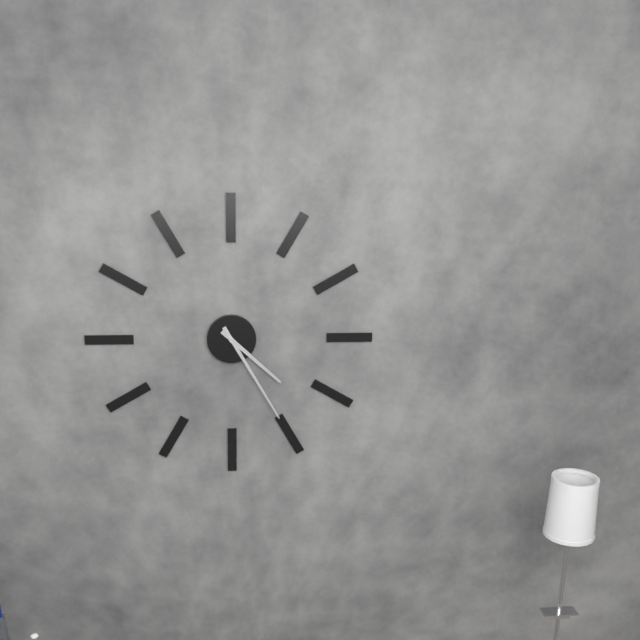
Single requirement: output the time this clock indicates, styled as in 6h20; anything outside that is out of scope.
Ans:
4h25
